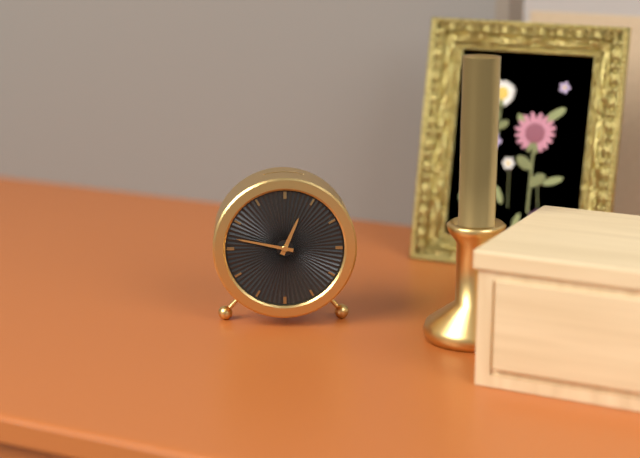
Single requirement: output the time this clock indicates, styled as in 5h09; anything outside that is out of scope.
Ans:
12h47
